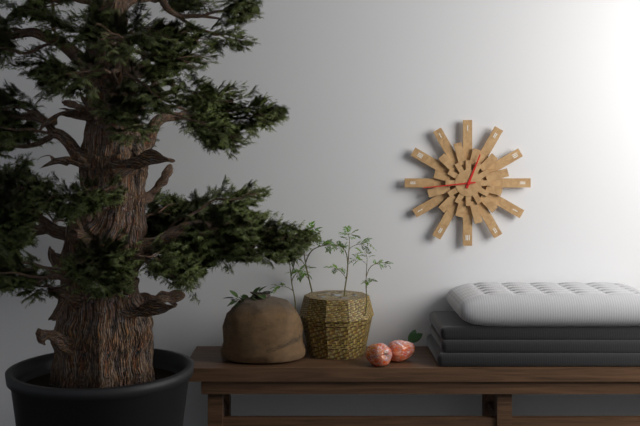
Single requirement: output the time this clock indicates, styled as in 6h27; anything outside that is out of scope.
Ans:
12h44
